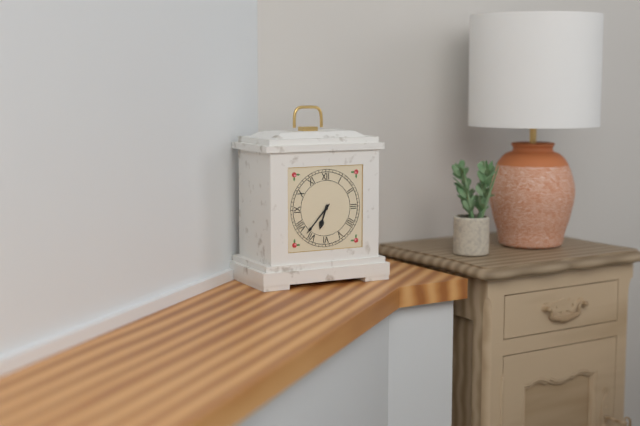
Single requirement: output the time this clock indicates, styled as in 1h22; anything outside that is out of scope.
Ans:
6h37
